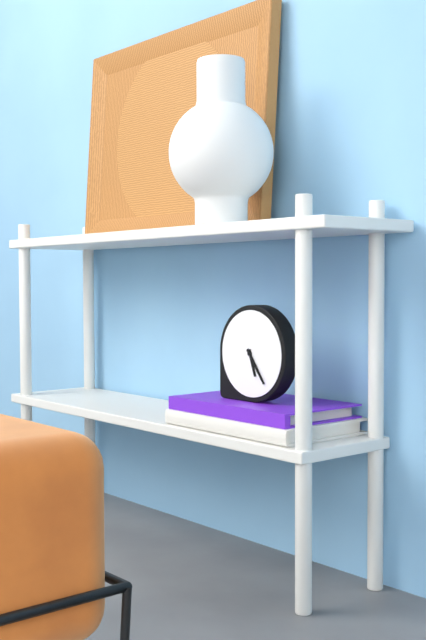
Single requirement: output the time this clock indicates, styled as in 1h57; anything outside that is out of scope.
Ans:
5h24
